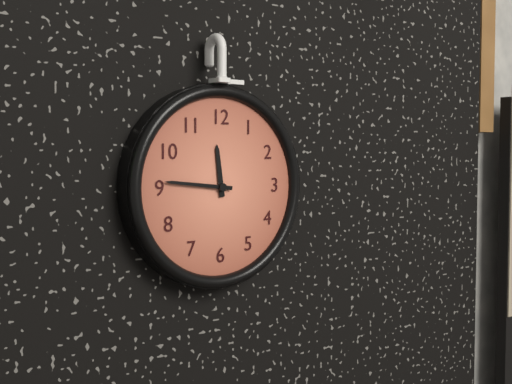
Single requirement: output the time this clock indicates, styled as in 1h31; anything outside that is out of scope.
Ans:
11h46
